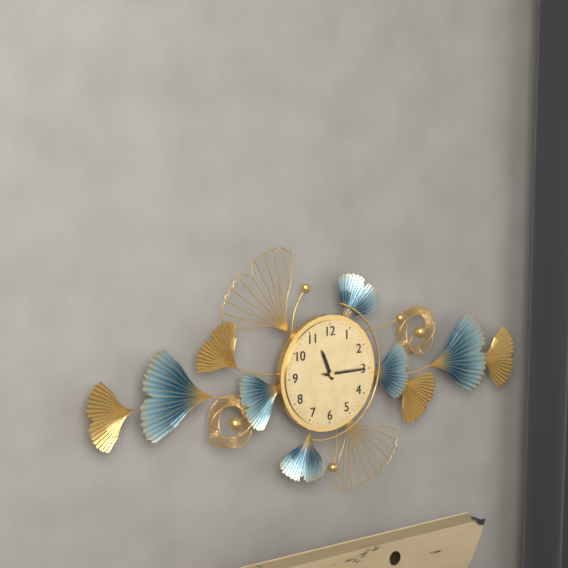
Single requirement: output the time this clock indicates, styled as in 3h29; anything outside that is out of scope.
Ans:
11h15
